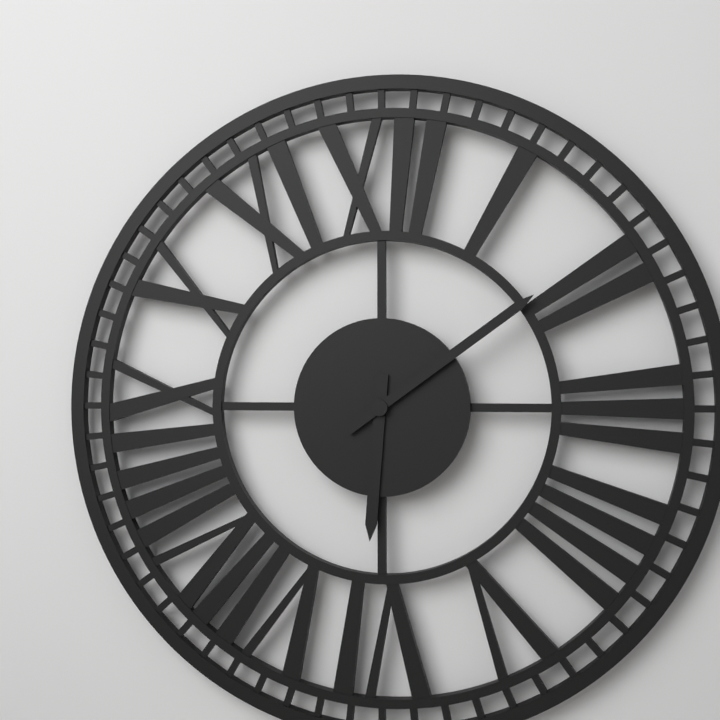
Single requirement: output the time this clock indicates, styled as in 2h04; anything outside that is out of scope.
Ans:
6h09
